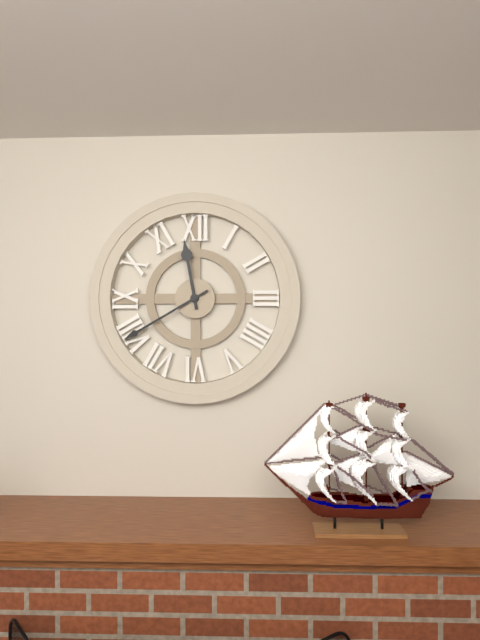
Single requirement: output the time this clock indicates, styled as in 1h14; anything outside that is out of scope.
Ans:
11h40
